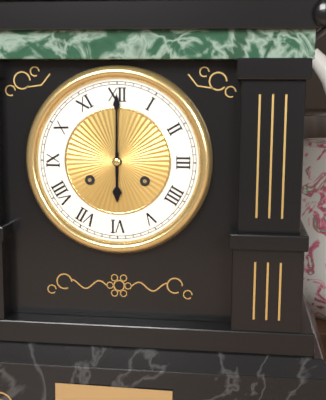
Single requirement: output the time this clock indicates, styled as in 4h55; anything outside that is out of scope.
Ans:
6h00
